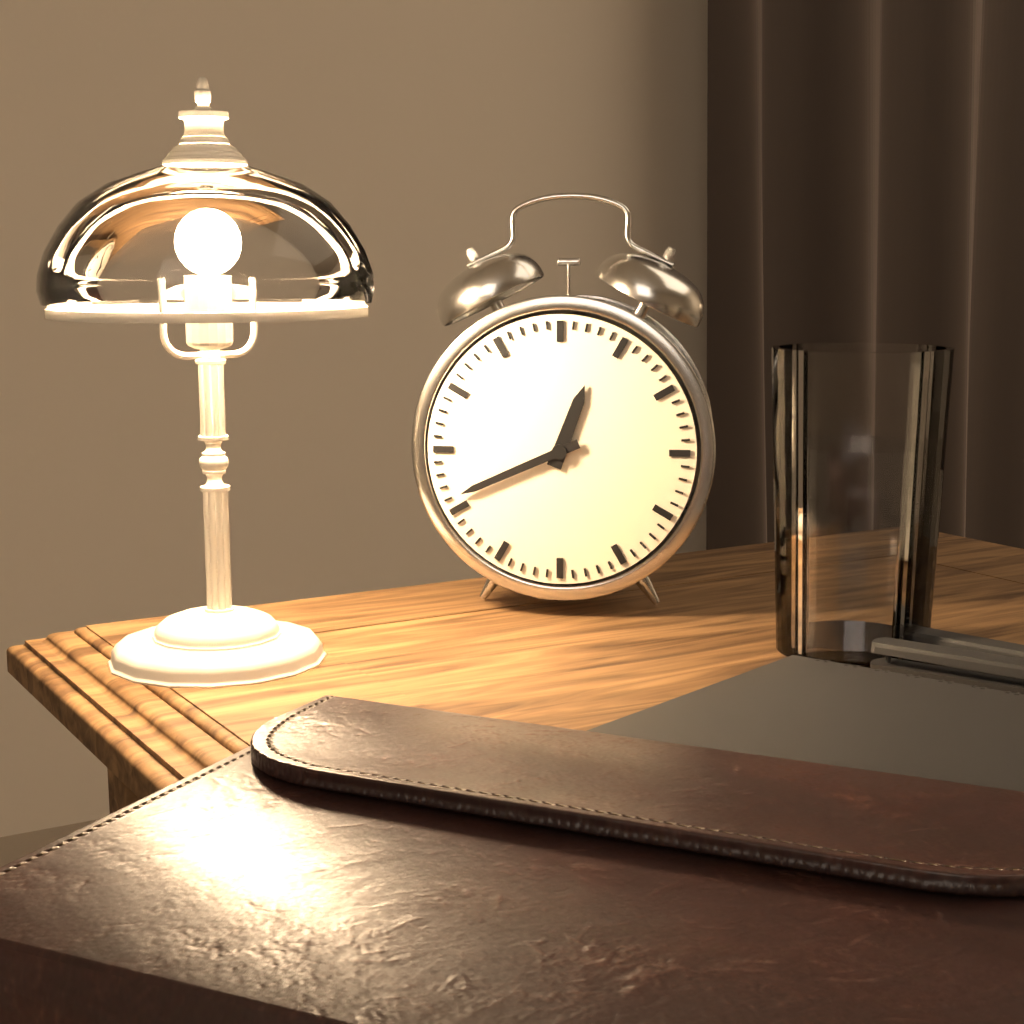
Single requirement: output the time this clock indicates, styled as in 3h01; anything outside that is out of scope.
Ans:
12h41
